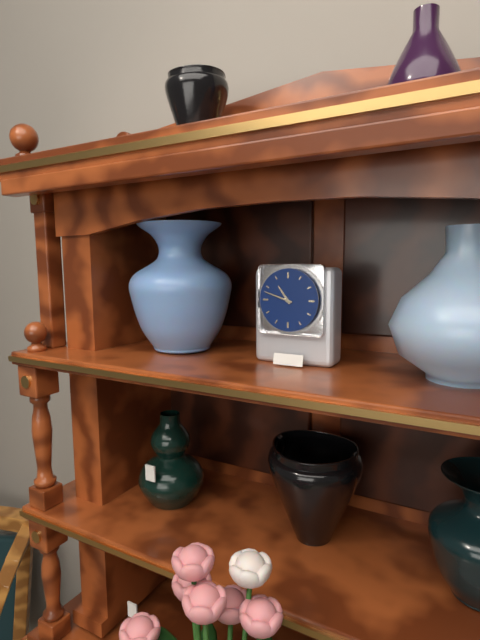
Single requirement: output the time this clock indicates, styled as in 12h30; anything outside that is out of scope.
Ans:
10h48
